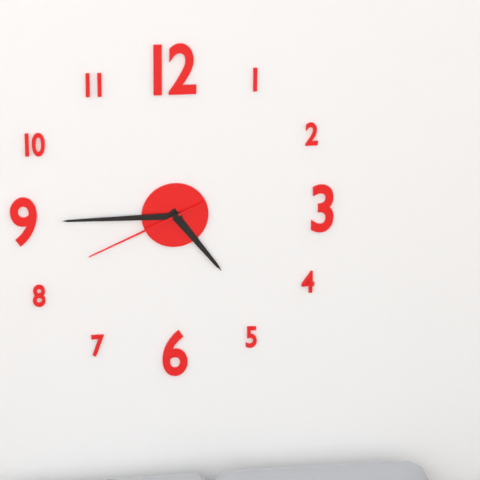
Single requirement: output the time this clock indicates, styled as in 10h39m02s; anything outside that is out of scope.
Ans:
4h45m41s
